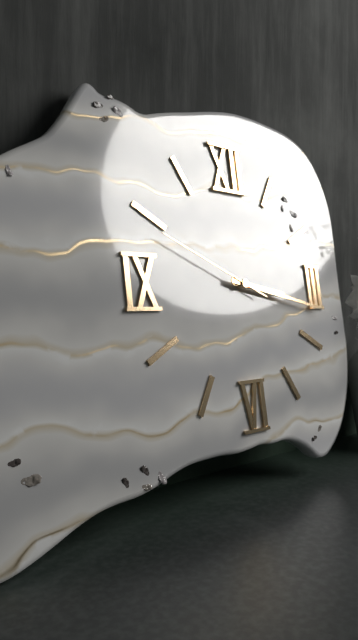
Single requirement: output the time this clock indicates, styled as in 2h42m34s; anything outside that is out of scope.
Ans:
3h17m49s
